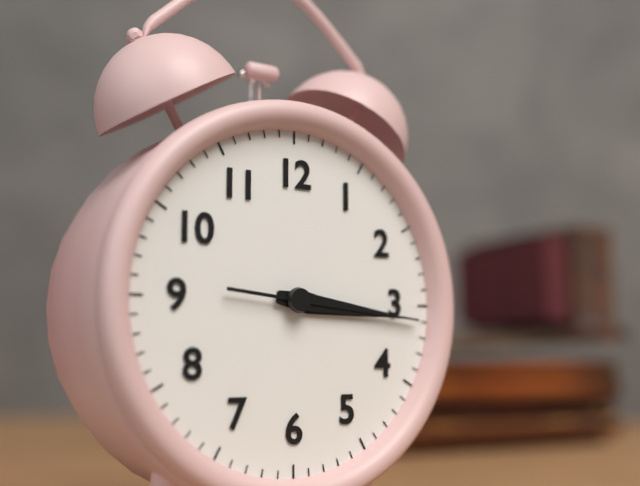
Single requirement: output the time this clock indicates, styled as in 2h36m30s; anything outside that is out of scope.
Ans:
3h16m16s
